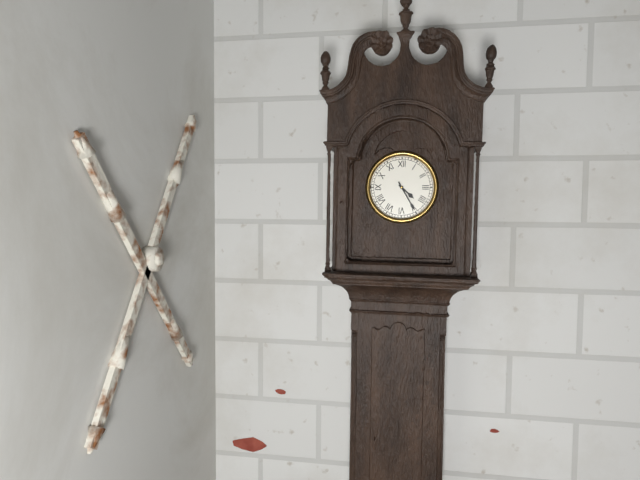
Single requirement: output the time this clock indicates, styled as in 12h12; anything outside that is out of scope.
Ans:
4h25
